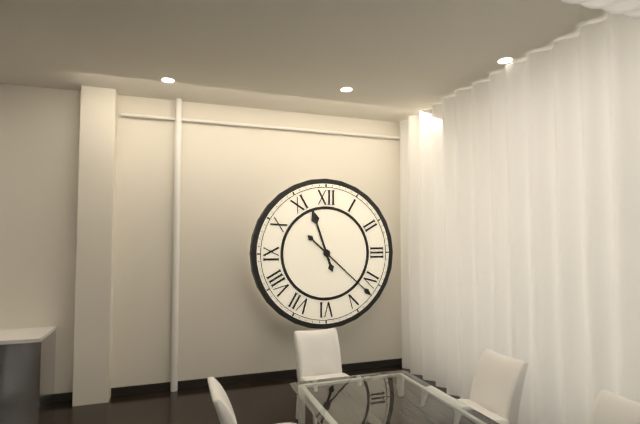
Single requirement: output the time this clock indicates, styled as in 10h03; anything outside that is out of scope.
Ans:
11h22
